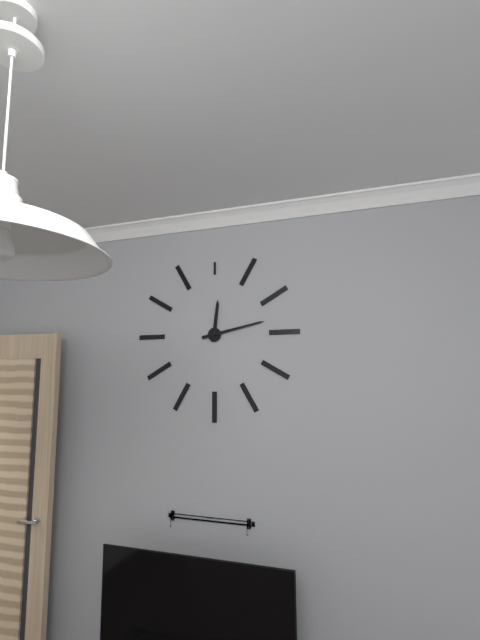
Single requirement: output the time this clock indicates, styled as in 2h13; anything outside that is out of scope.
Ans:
12h13
